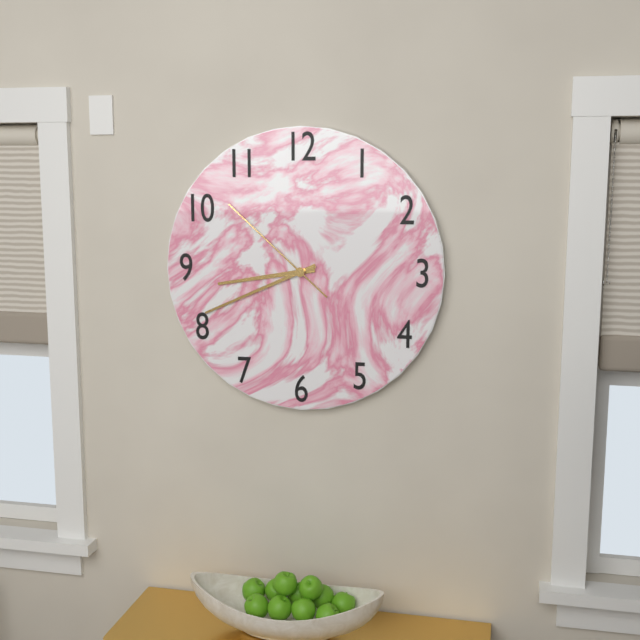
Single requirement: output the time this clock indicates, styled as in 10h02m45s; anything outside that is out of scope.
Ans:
8h41m52s
